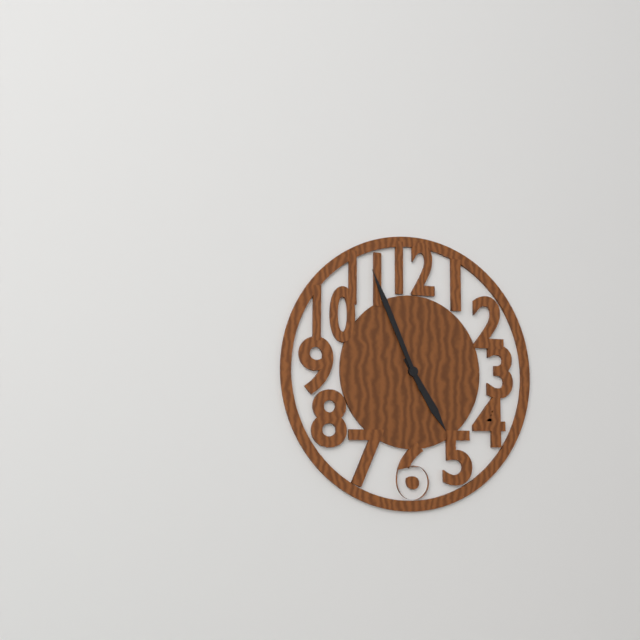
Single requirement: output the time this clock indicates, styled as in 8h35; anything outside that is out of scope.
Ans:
4h56
